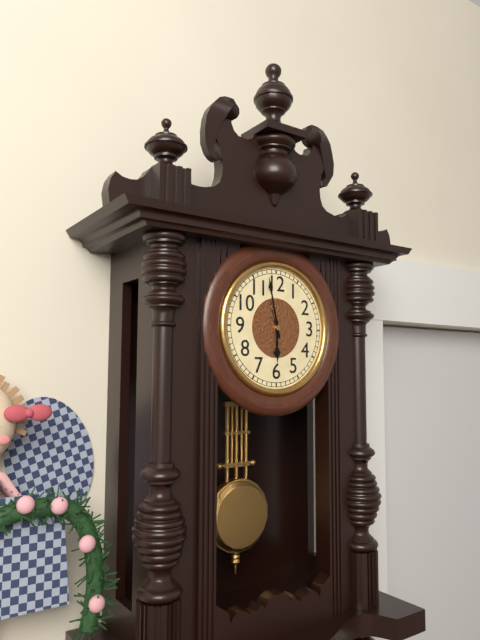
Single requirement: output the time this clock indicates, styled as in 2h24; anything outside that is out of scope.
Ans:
5h58
